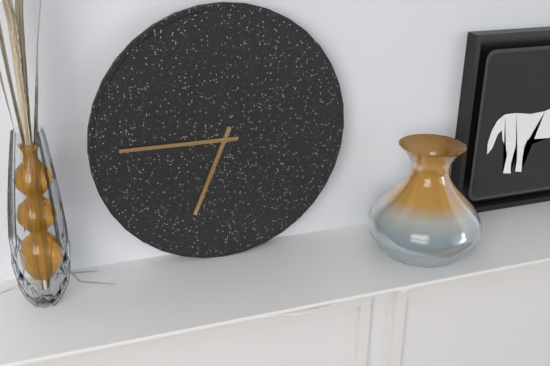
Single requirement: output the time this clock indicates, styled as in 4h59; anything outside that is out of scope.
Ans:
6h45
